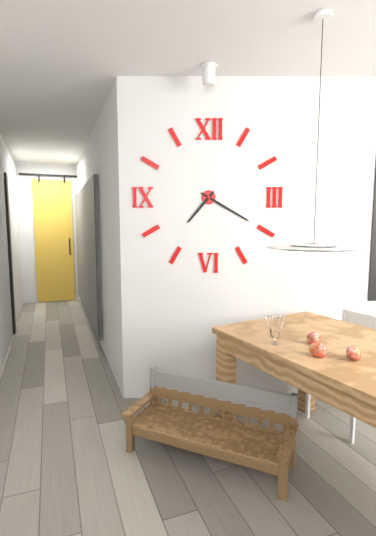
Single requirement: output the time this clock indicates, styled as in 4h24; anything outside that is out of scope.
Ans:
7h20
